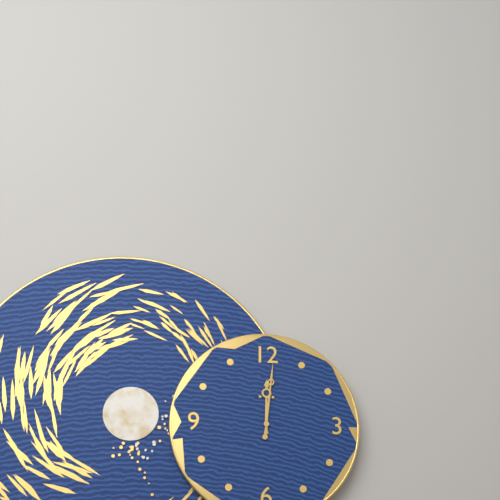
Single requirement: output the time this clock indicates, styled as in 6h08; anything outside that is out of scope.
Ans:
12h01
